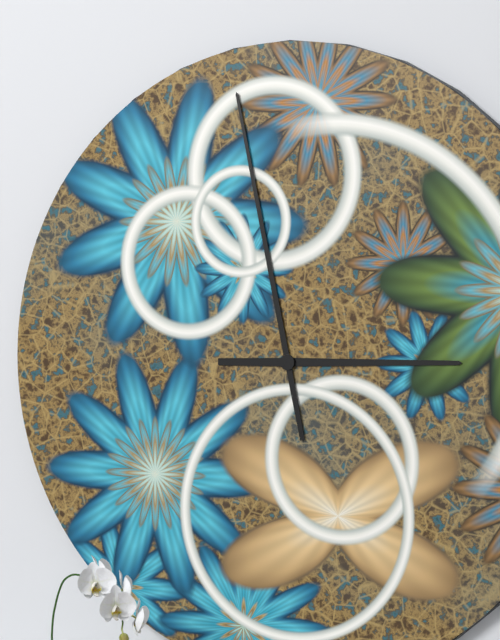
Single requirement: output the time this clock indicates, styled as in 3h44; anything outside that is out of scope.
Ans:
2h58
